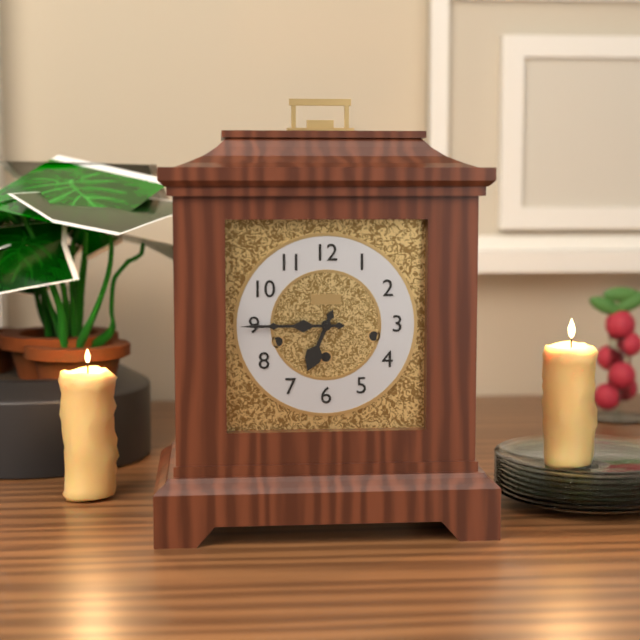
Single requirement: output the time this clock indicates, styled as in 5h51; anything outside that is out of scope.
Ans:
6h45
